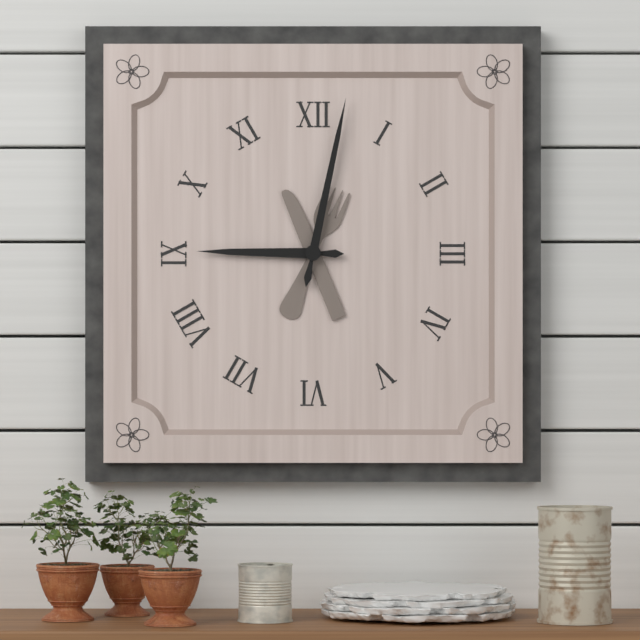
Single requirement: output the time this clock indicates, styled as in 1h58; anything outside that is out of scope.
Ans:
9h02
